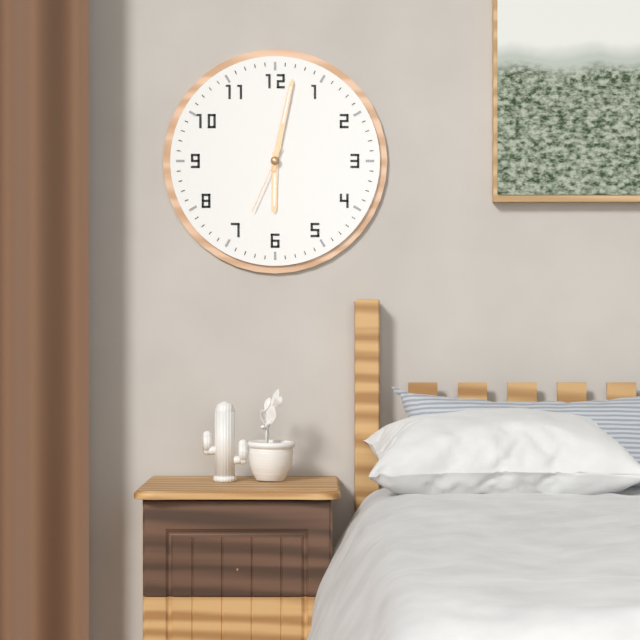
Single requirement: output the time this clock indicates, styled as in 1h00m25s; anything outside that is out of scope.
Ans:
6h02m34s
